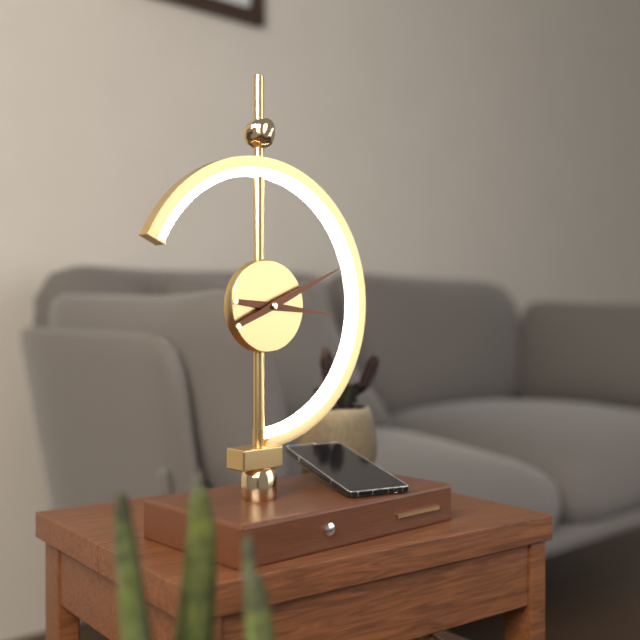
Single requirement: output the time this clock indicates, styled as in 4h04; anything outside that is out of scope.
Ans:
3h11
